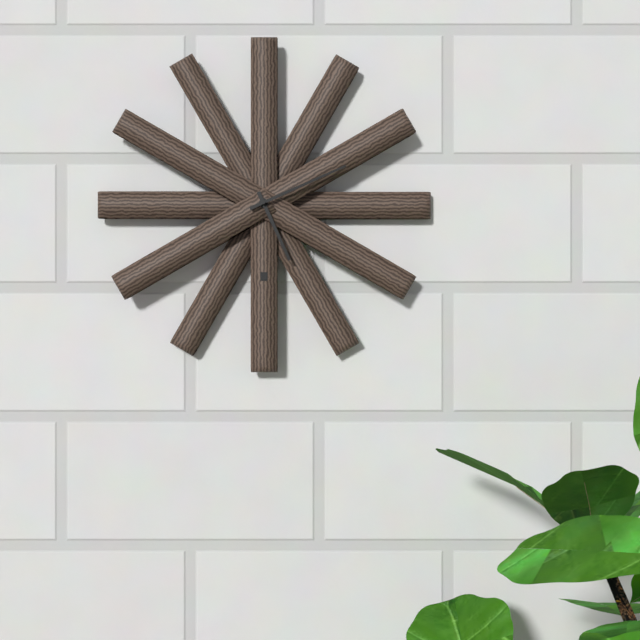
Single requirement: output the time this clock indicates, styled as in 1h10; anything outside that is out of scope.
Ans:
5h11
